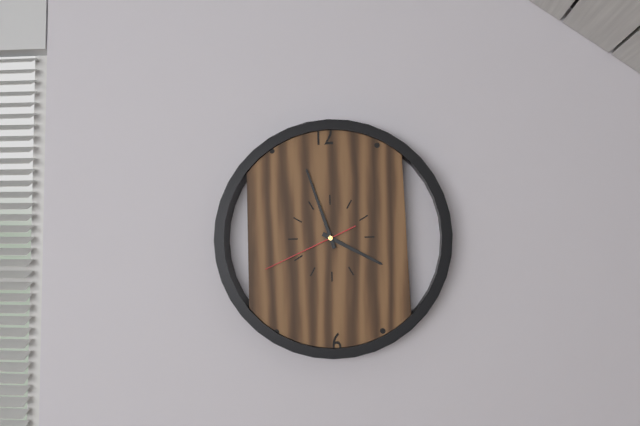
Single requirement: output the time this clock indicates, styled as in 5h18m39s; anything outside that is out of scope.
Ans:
3h57m41s
